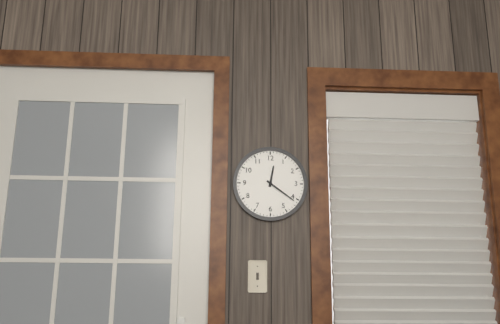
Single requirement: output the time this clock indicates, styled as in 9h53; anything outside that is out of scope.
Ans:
12h21
